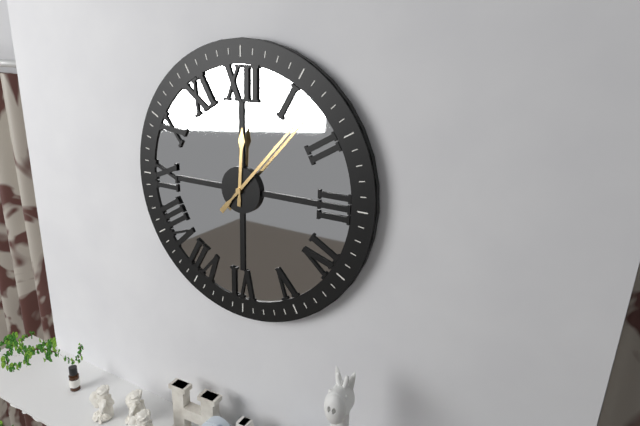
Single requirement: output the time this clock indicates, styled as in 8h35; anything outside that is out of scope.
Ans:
12h07
